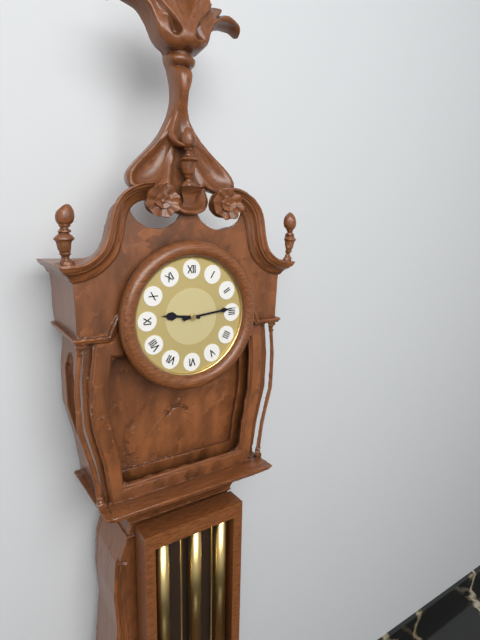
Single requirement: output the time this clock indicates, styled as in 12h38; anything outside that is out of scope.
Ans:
9h14
